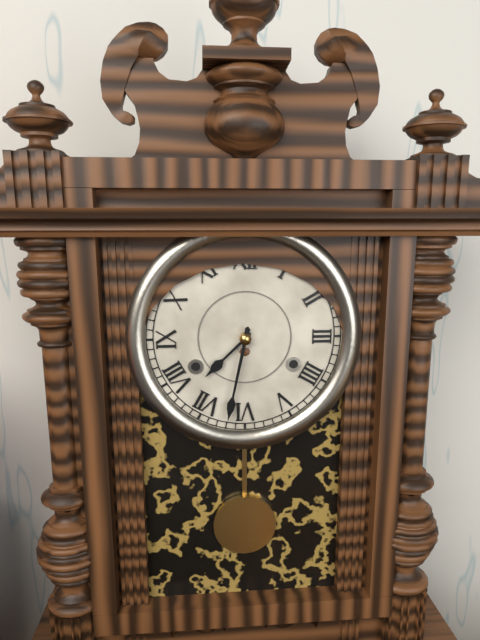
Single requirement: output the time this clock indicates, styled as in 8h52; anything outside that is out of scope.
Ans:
7h32
